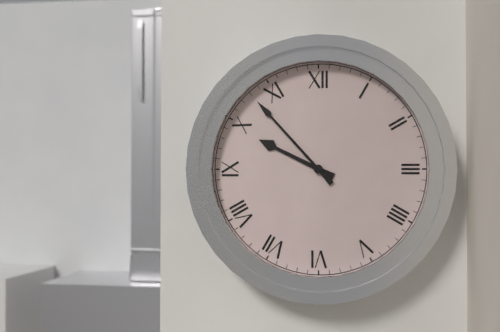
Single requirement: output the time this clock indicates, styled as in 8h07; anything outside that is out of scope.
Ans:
9h53
